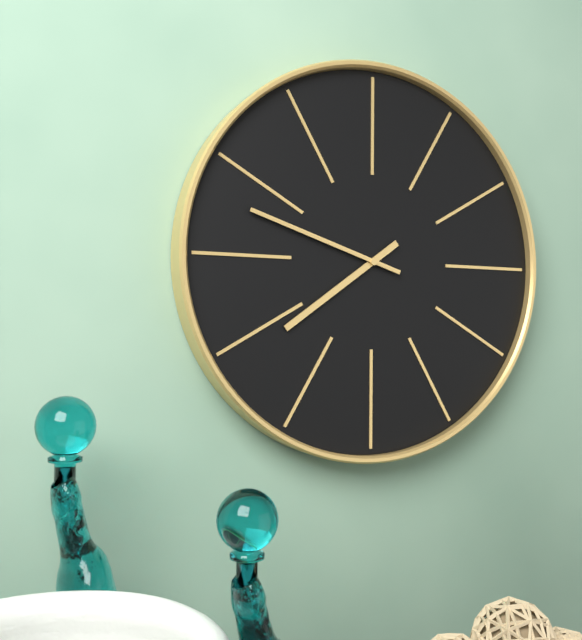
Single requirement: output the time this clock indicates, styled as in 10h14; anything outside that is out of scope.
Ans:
7h48
